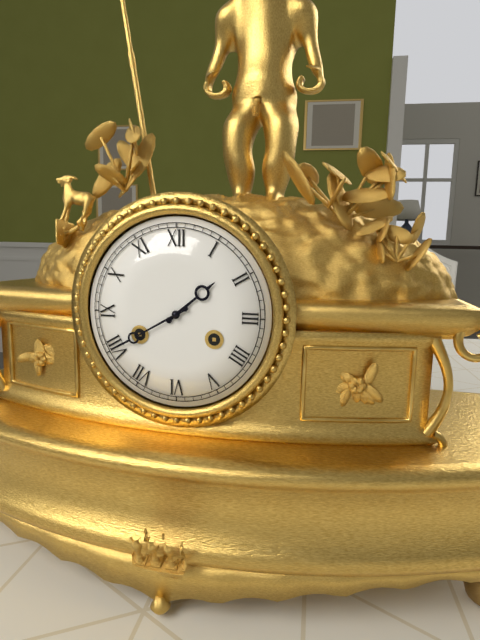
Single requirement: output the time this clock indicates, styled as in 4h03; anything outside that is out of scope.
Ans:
1h40
